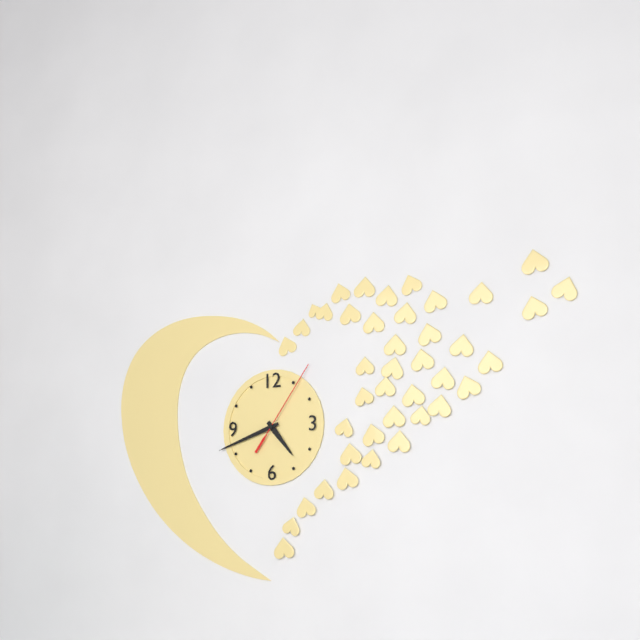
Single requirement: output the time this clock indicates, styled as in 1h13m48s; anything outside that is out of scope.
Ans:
4h42m06s
